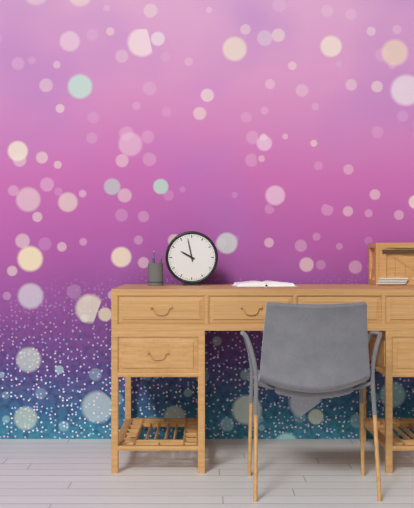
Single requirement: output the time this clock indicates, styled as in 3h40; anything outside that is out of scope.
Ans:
9h58
